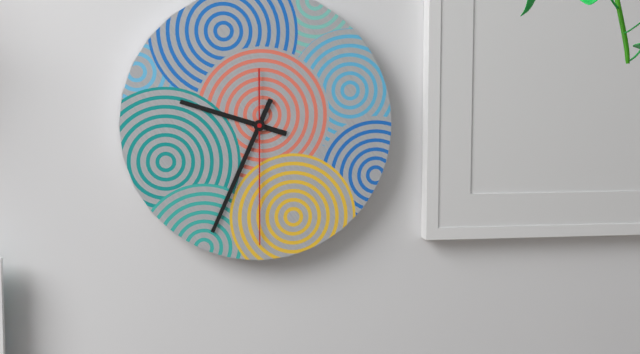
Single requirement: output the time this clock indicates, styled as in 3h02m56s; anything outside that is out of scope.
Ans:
9h34m30s
